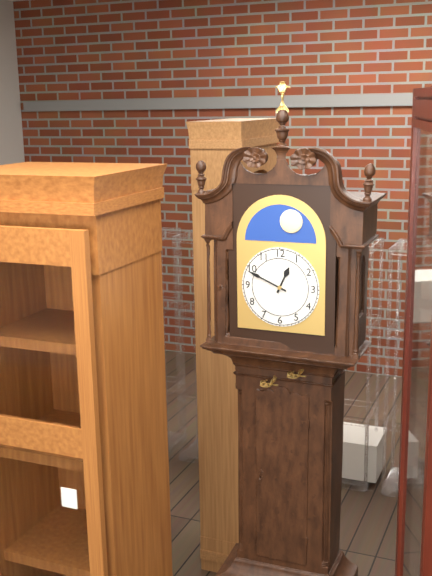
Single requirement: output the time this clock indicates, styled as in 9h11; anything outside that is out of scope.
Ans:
12h49
